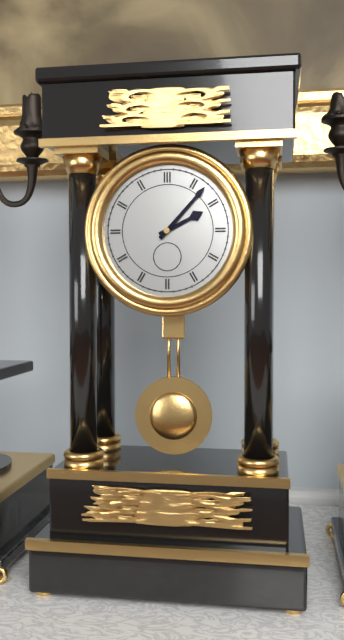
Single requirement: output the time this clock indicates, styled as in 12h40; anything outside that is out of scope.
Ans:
2h07
